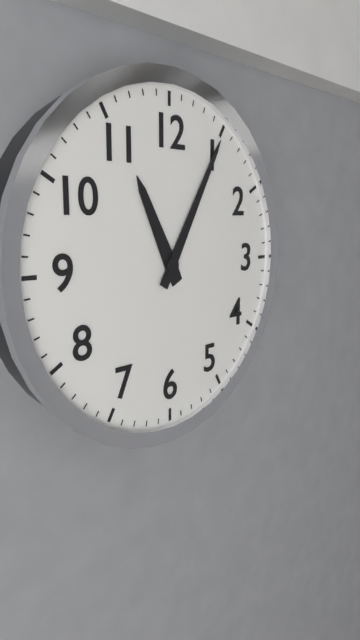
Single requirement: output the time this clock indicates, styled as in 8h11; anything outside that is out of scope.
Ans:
11h05
